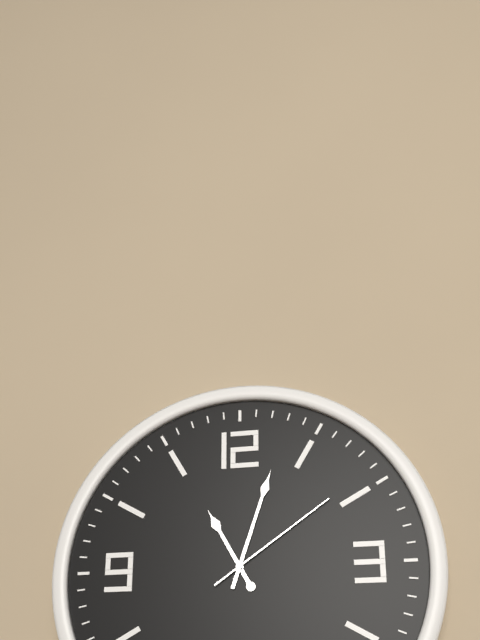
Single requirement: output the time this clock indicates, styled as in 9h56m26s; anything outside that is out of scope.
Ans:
11h03m09s
